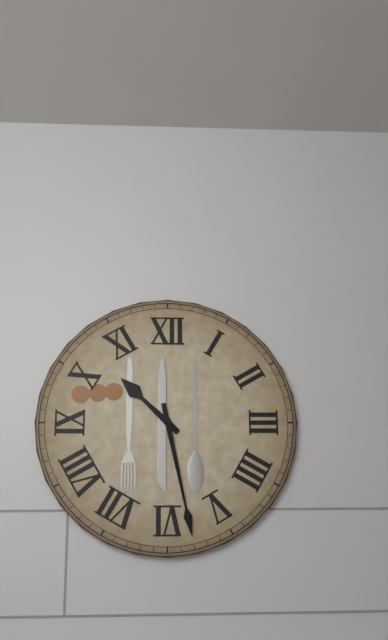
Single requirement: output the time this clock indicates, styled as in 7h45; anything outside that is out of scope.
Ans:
10h28
